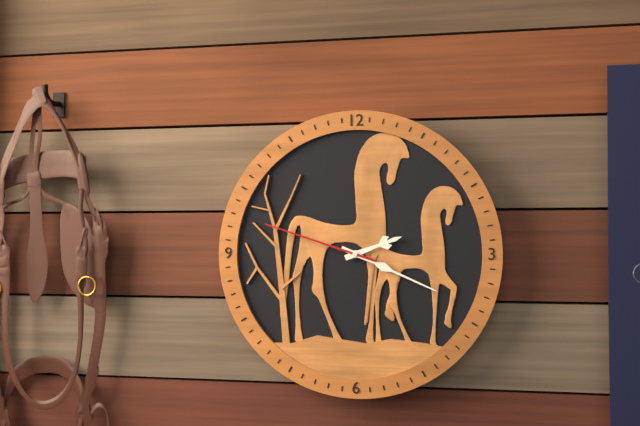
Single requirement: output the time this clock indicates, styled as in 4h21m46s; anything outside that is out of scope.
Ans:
2h19m48s
